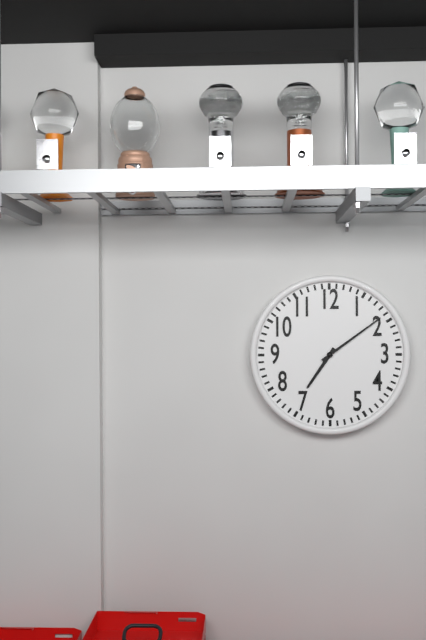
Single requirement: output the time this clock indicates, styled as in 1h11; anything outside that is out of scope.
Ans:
7h09
